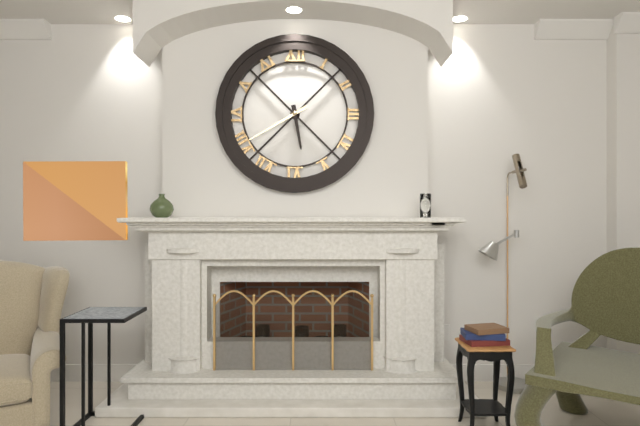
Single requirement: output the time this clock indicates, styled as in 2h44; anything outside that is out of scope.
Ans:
5h40
